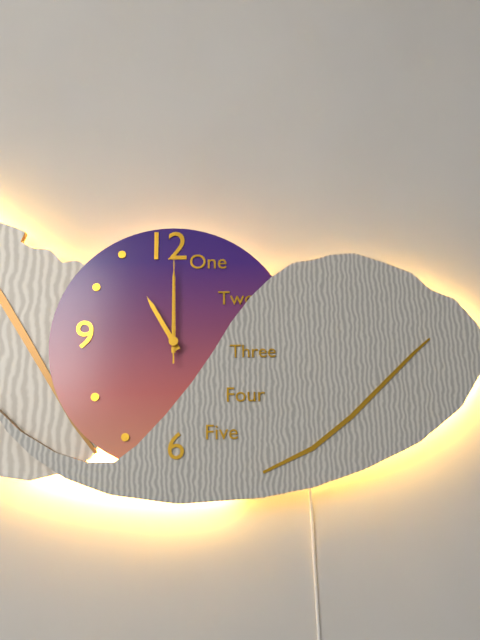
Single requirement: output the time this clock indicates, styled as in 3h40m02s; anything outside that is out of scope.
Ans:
11h00m00s
